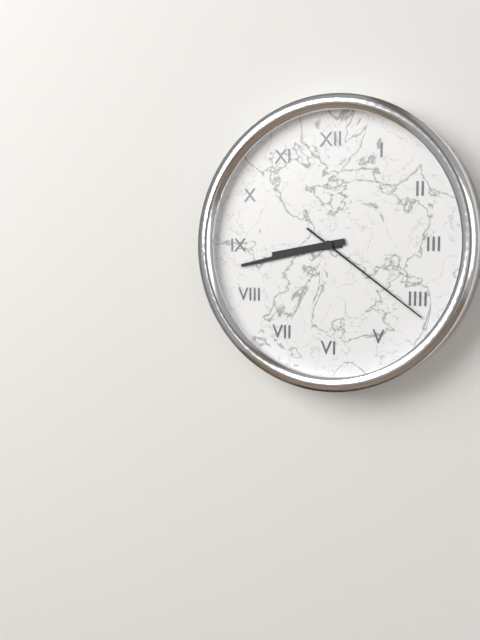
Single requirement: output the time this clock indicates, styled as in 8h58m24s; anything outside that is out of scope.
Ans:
8h43m21s
